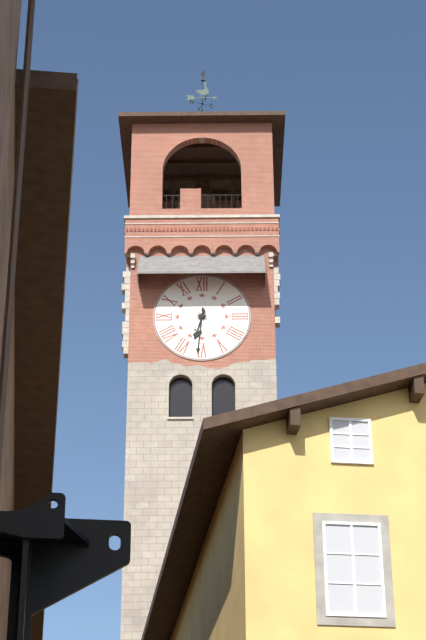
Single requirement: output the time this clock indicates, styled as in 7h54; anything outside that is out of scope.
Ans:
6h31
